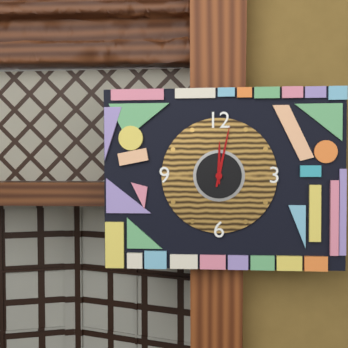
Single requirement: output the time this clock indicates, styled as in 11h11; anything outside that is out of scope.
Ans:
12h02
